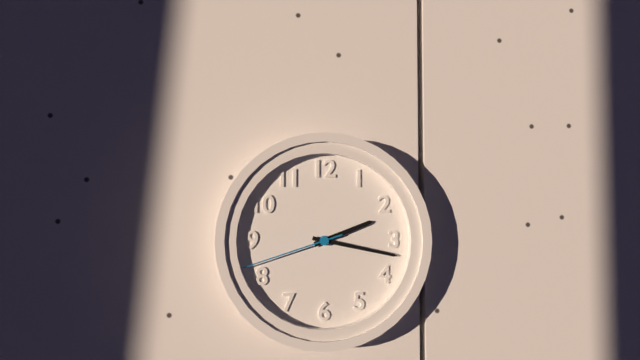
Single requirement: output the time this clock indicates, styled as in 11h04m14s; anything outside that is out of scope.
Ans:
2h17m42s
